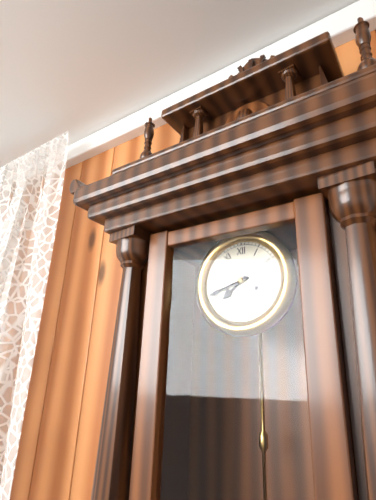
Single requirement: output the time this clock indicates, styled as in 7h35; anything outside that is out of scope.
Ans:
7h42
